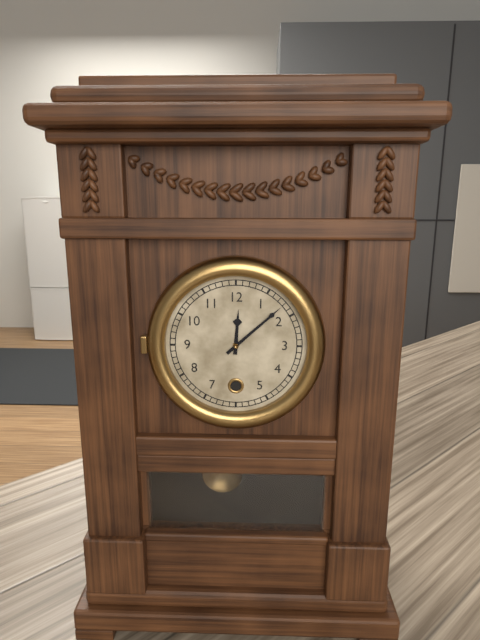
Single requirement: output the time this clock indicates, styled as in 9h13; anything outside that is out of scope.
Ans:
12h08
